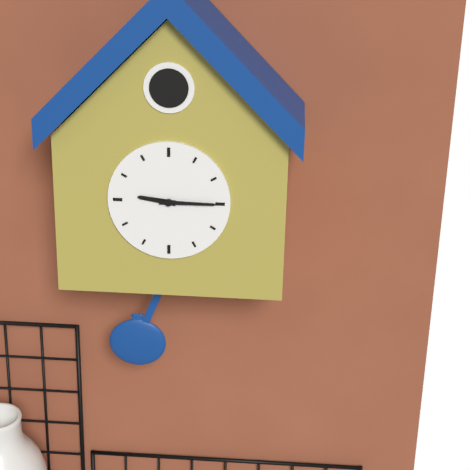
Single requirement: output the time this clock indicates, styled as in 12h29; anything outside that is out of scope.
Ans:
9h15
